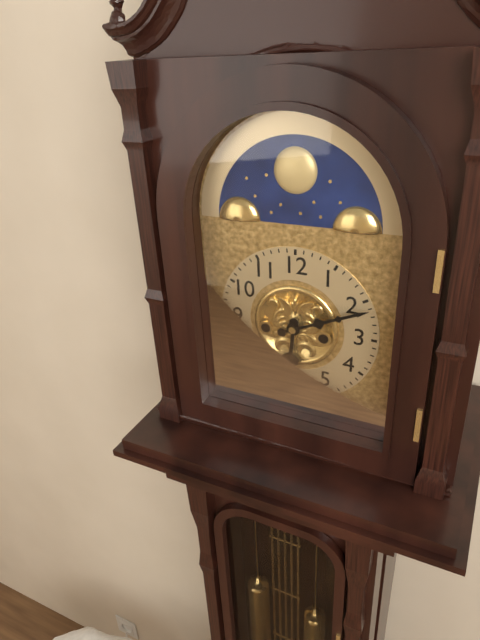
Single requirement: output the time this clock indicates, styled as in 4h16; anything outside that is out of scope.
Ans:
6h11
